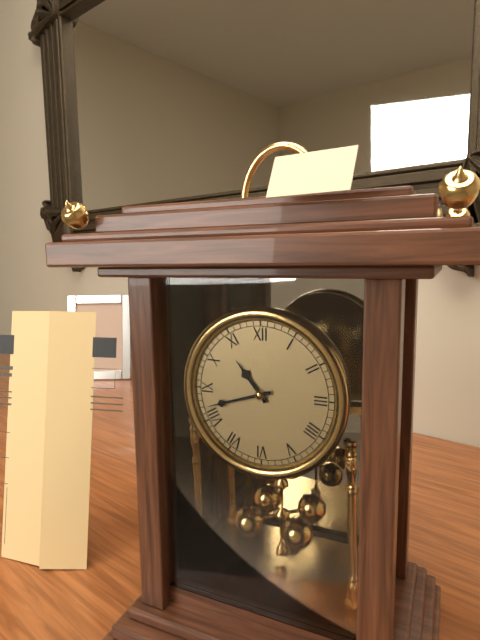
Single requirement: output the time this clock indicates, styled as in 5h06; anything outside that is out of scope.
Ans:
10h42
